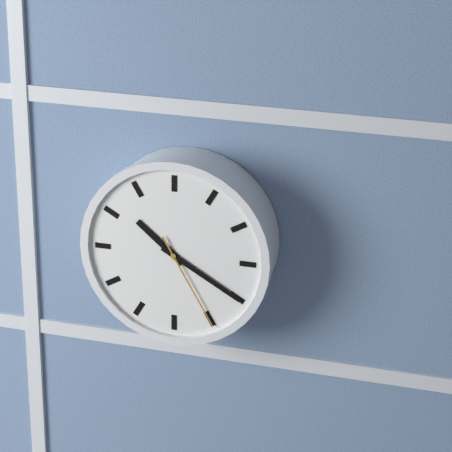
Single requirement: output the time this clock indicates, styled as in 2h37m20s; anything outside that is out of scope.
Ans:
10h20m25s
